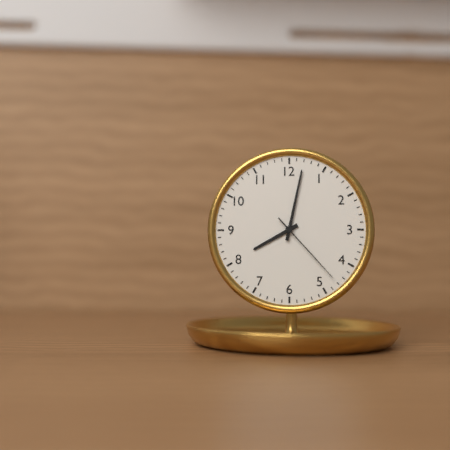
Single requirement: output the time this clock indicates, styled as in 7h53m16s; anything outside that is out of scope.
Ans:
8h02m23s
